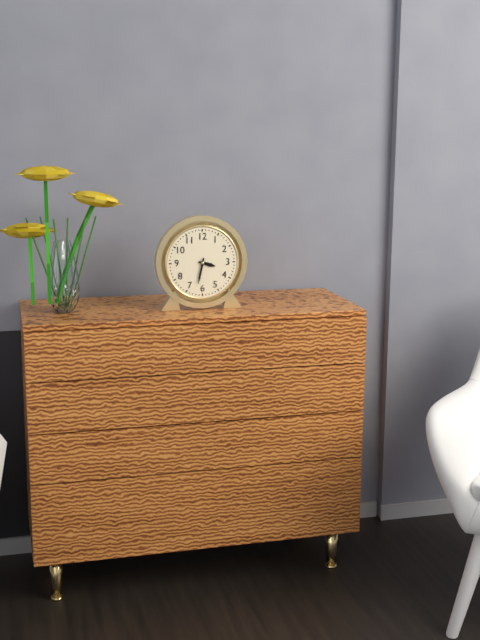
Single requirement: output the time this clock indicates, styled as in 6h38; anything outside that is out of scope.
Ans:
3h32
